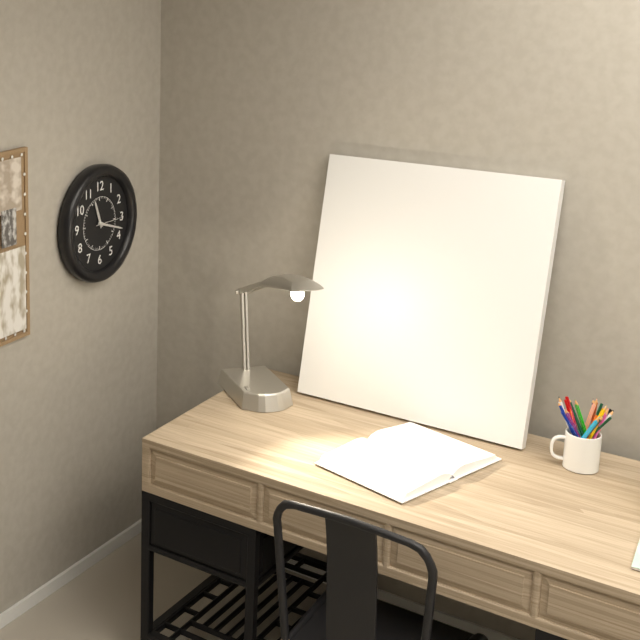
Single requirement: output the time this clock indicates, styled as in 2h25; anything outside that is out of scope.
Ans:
11h18
